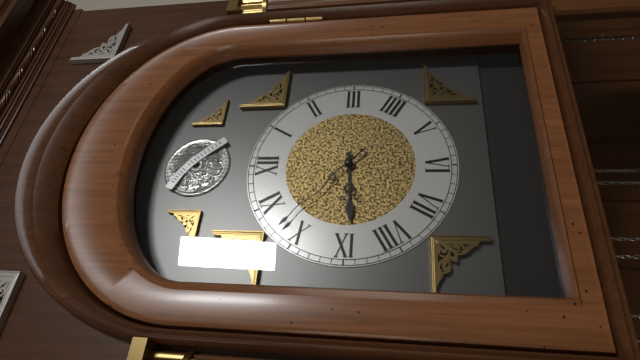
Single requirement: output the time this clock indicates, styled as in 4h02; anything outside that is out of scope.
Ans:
8h52
